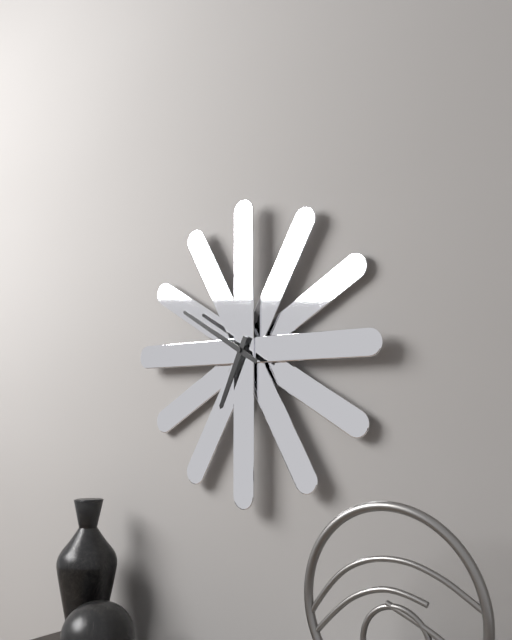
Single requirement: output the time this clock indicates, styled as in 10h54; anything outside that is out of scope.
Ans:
6h50
